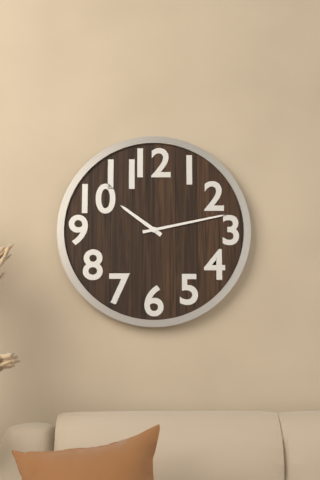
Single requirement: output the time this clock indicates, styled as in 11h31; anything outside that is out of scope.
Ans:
10h13
